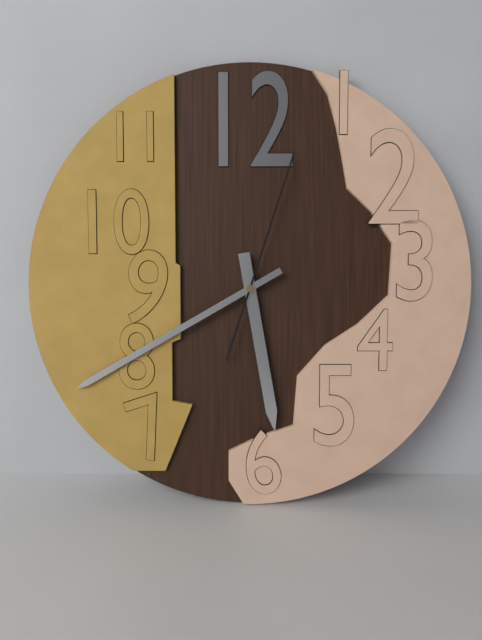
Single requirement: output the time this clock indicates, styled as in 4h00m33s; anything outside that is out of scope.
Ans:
5h40m03s
